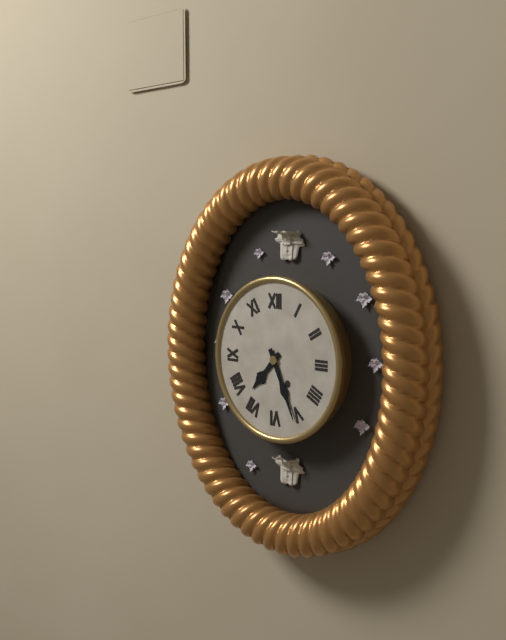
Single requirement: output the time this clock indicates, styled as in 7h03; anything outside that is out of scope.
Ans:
7h26
